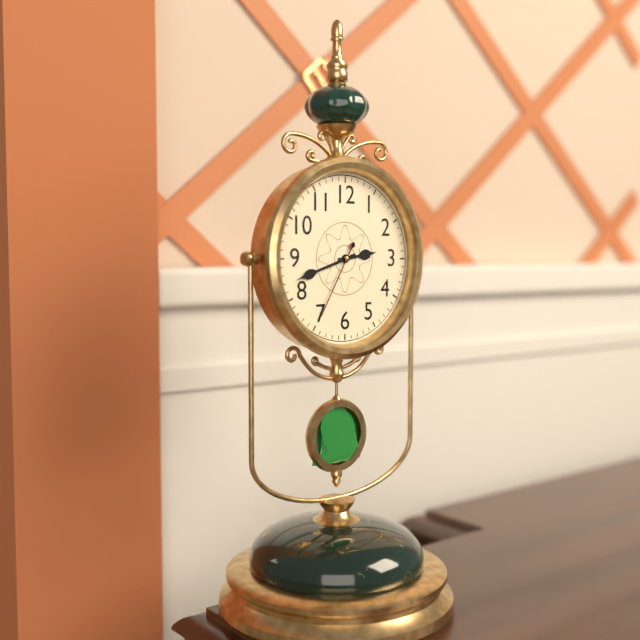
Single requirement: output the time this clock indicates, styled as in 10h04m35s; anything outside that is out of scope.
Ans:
2h42m35s
